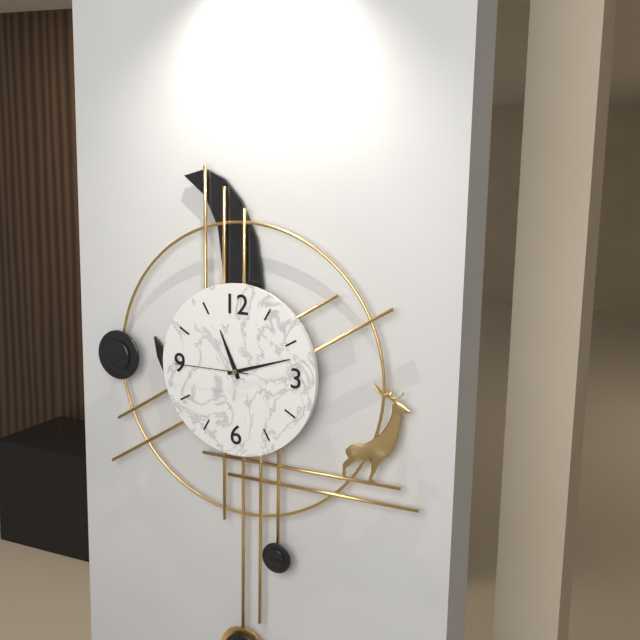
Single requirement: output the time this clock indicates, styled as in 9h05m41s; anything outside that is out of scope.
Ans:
11h12m45s
